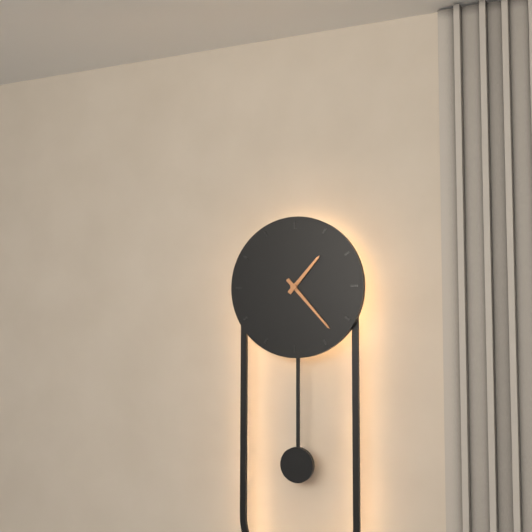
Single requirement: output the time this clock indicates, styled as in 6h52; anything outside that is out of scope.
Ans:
1h23
